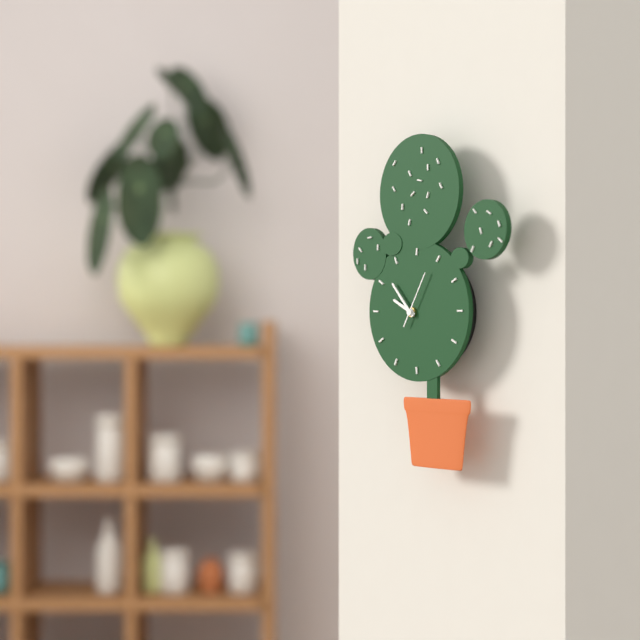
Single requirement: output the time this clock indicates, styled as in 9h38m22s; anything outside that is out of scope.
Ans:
9h53m05s
